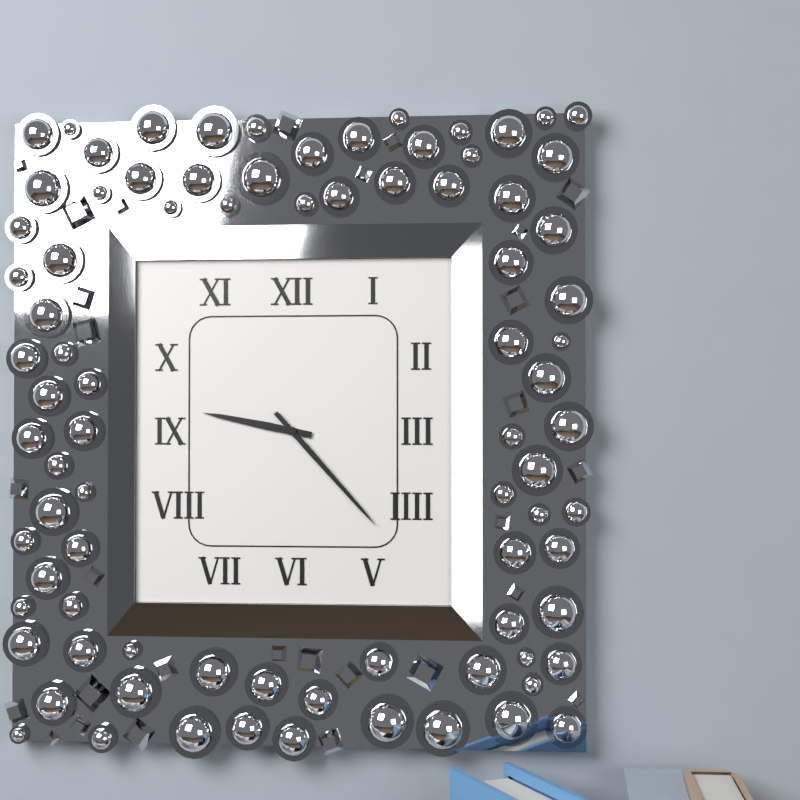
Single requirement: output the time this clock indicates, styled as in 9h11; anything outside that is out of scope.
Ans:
9h23
